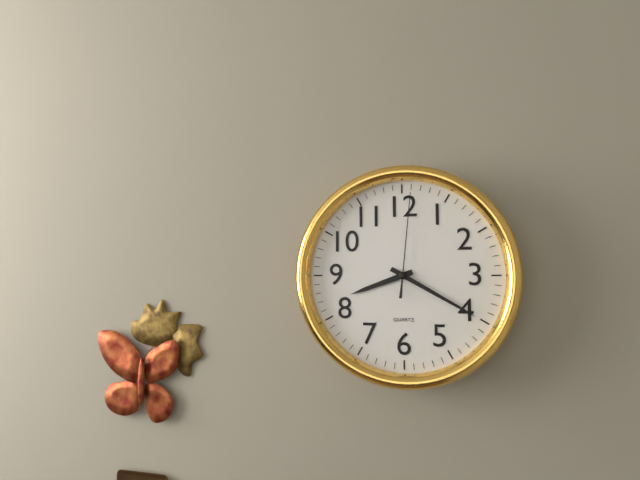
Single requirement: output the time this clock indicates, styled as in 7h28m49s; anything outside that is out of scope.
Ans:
8h20m01s
